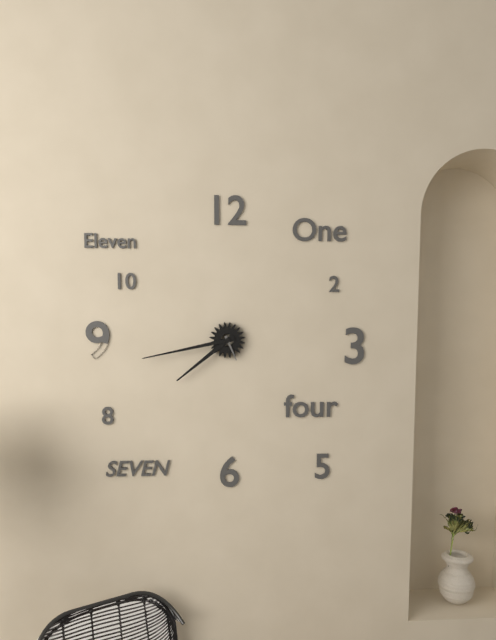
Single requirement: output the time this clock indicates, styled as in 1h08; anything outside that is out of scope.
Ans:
7h43
